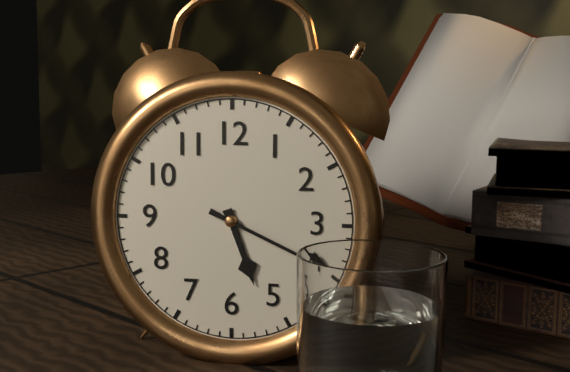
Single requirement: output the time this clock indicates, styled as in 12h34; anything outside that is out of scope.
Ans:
5h19
